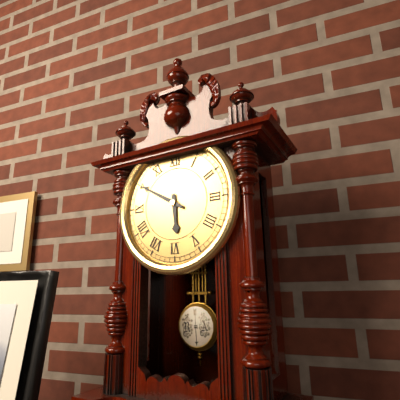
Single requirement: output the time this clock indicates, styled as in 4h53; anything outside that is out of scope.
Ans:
5h50
